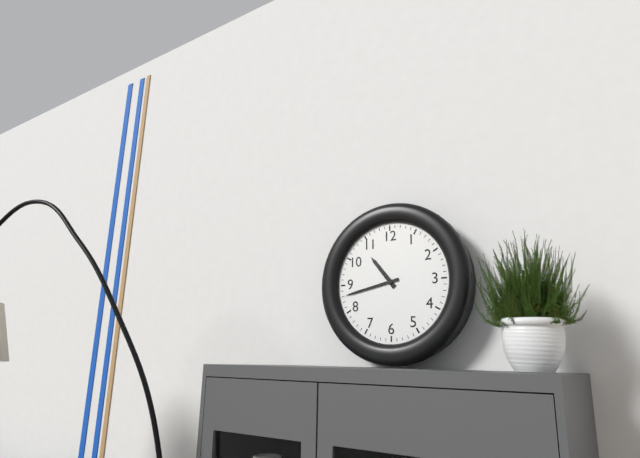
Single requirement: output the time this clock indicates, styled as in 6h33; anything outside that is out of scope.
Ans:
10h43
